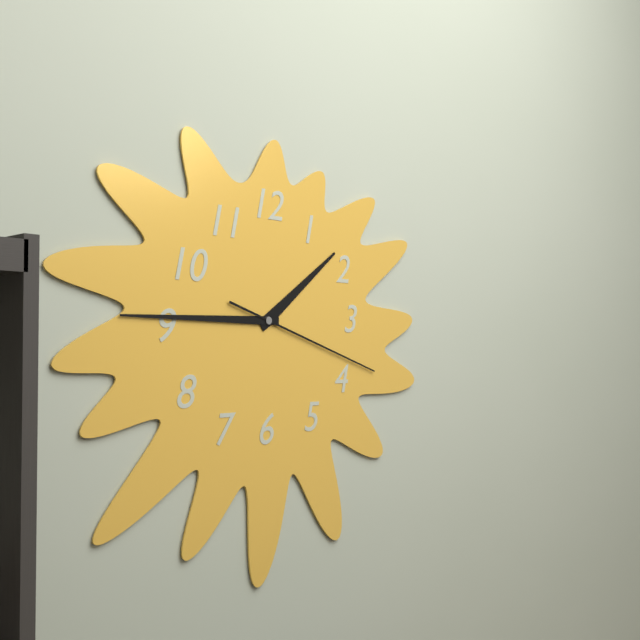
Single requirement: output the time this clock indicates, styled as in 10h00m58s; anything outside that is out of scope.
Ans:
1h45m18s
